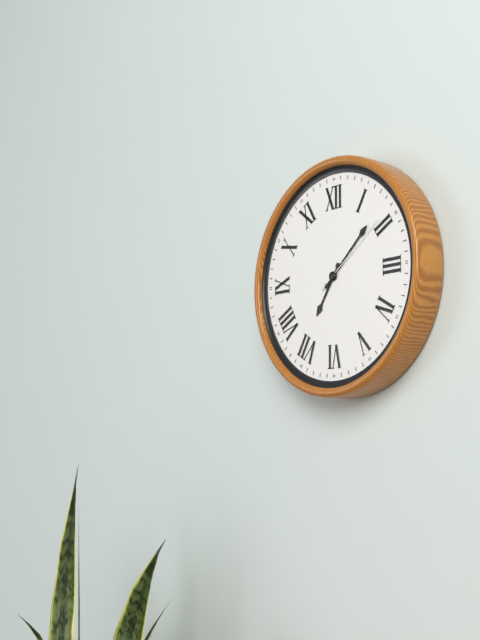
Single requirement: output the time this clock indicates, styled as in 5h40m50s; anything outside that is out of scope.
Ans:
7h08m09s
